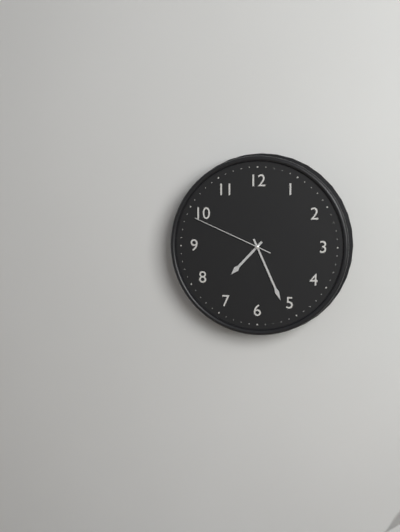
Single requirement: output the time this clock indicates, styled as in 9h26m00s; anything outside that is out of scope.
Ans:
7h26m49s
